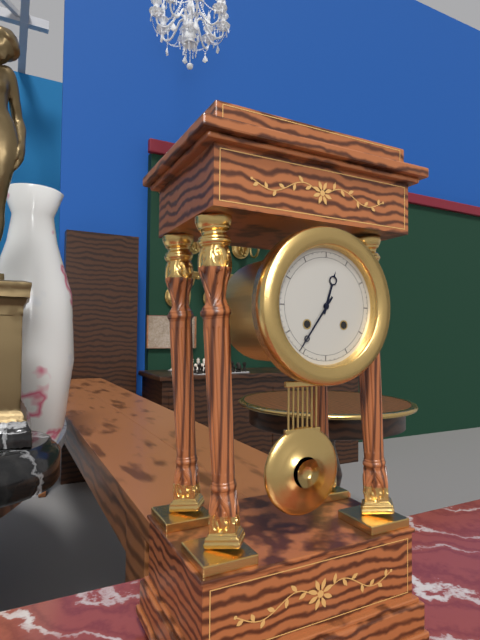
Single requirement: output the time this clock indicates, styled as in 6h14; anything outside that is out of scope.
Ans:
12h36
